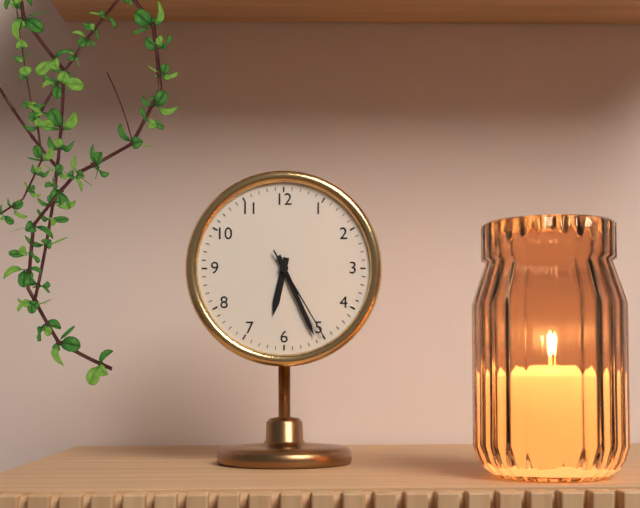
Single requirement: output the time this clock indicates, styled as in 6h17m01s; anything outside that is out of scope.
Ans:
6h26m25s
